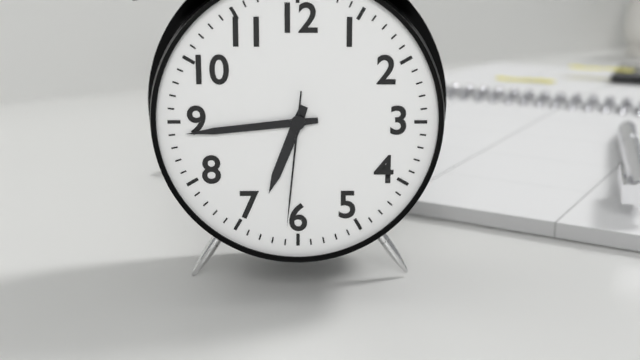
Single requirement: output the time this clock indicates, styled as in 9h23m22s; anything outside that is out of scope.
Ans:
6h44m31s
